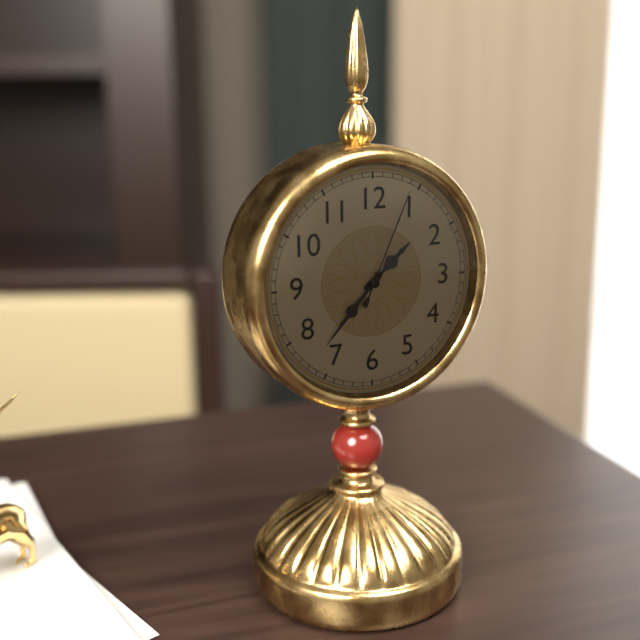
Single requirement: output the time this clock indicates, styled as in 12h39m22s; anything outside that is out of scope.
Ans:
1h37m04s
